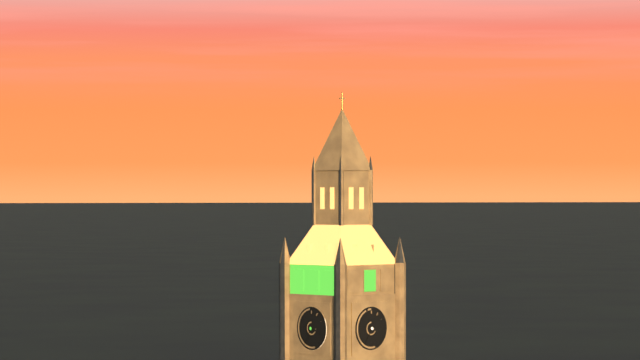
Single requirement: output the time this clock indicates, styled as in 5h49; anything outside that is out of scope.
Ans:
3h35
